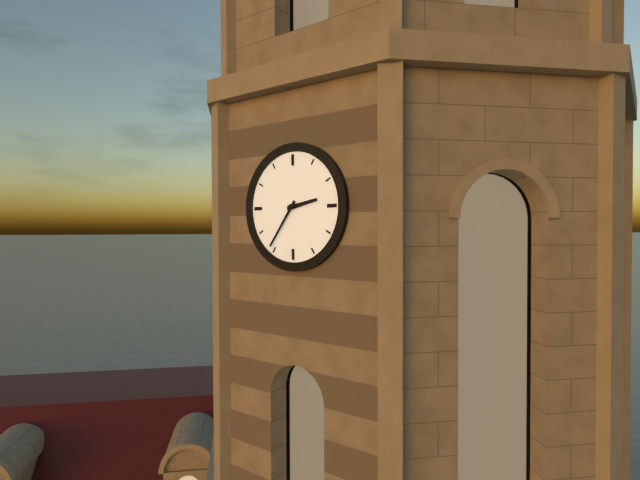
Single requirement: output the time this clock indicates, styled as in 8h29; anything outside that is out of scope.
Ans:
2h36
